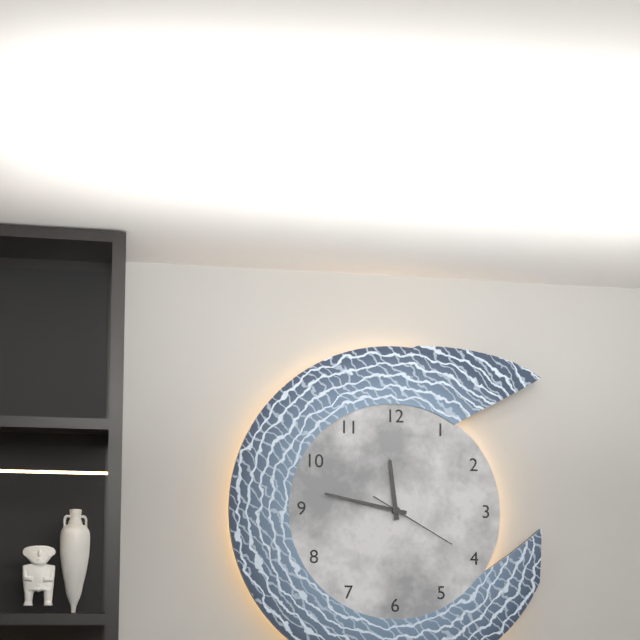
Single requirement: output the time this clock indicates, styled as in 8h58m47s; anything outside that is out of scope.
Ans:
11h47m20s
